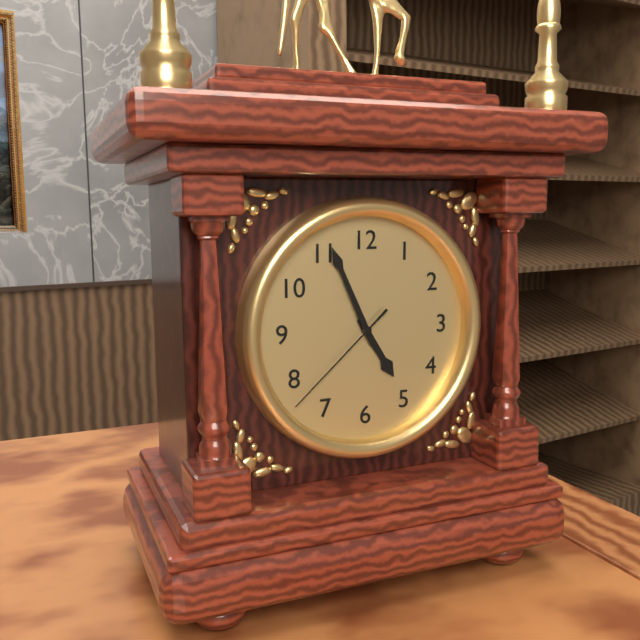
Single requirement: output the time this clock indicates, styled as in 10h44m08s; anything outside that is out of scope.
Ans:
4h56m38s
